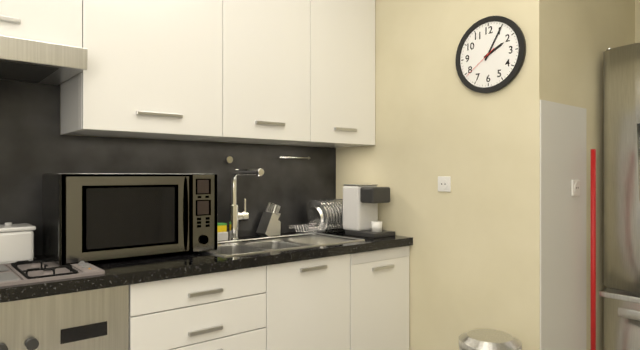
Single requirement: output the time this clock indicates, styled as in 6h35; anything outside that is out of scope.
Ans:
2h05
